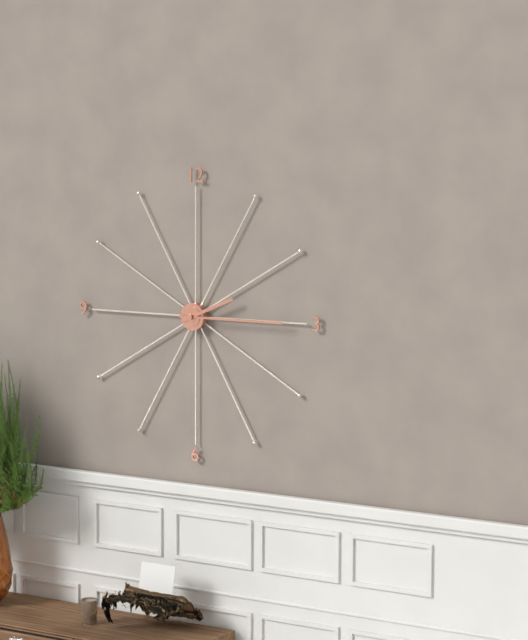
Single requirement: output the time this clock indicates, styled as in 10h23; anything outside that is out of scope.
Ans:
2h15
